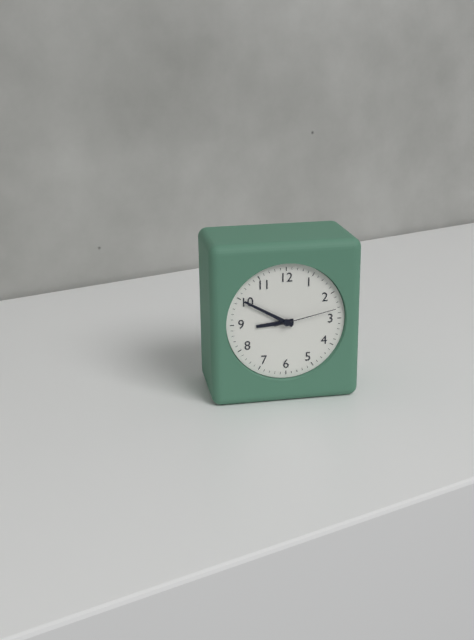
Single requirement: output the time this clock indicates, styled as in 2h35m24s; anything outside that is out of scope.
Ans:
8h50m13s
